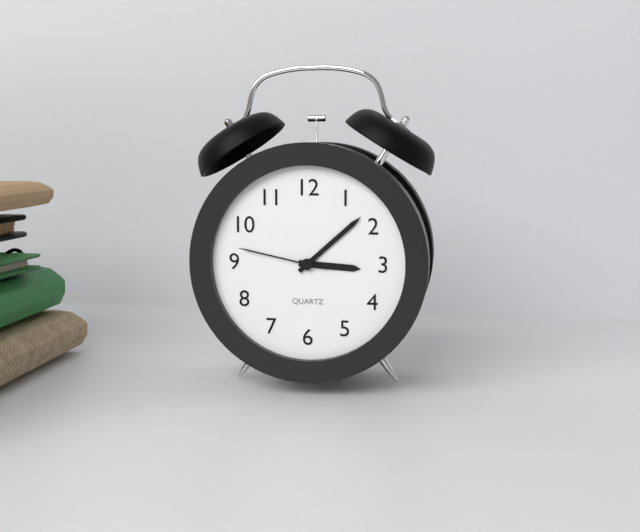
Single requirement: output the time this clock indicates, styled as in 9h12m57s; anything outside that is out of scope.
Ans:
3h08m47s
